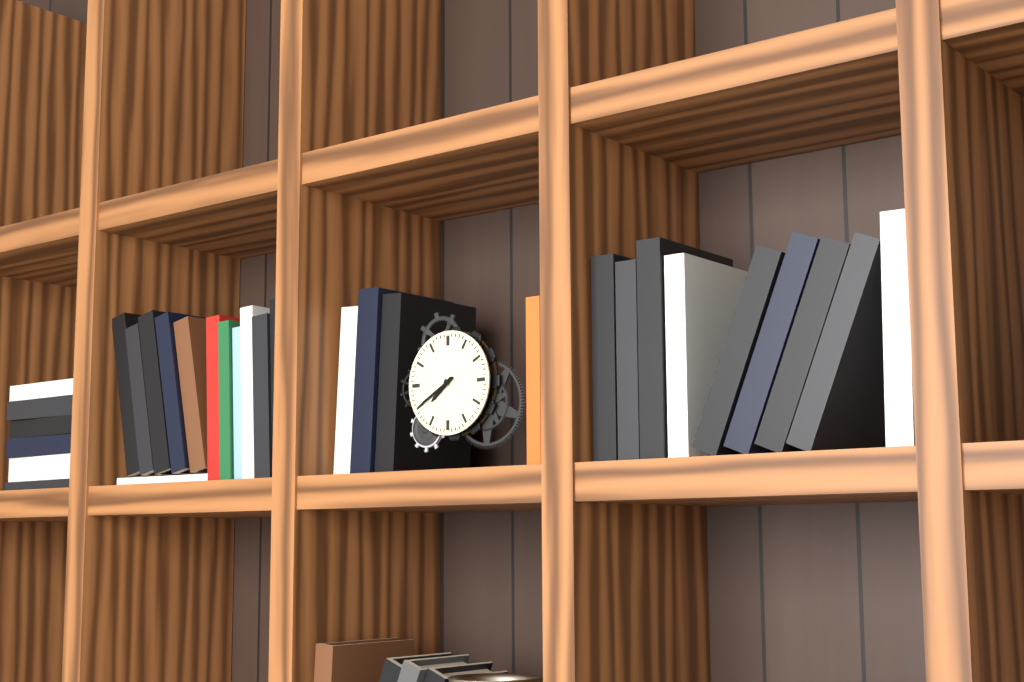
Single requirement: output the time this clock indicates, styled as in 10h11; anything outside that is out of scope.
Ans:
7h40
